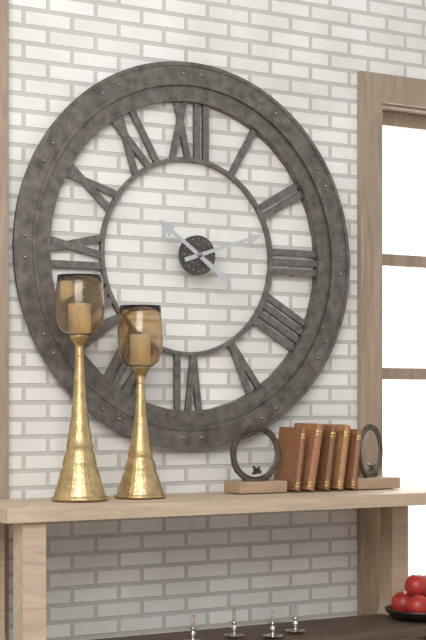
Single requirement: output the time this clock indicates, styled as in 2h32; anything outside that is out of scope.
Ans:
10h12
